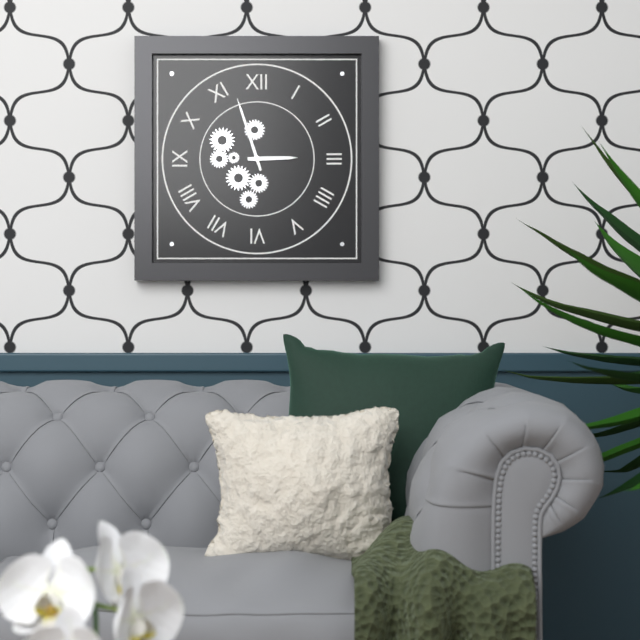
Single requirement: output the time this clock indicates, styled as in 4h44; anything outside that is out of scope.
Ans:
2h57
